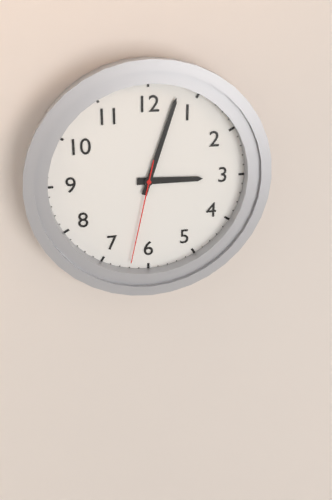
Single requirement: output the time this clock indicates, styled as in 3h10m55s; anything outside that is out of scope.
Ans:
3h03m32s
